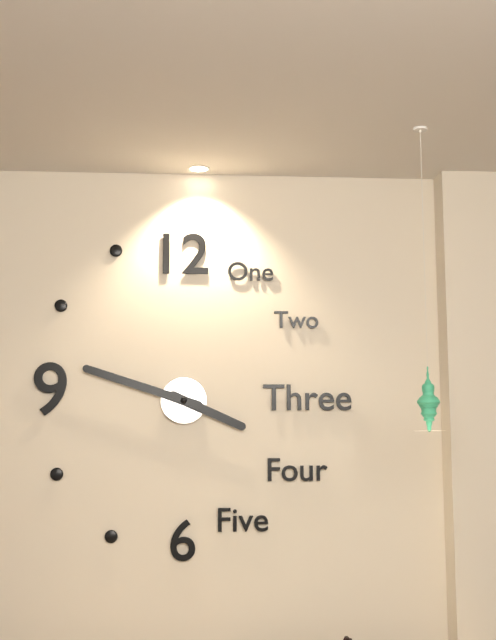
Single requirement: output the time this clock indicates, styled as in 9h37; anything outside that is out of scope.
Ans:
3h48
